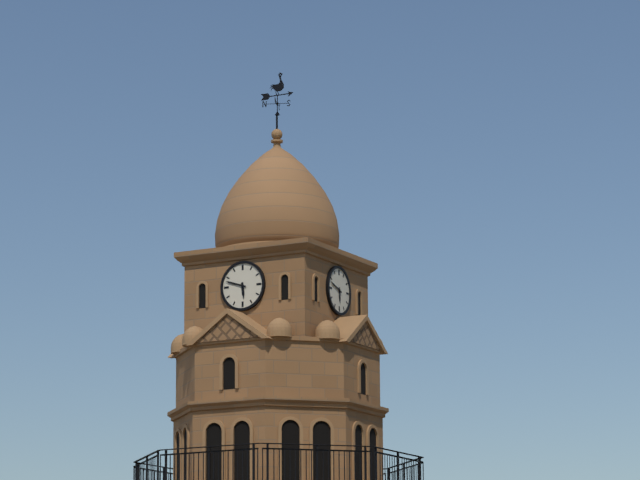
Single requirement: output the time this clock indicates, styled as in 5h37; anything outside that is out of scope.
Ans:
5h48
